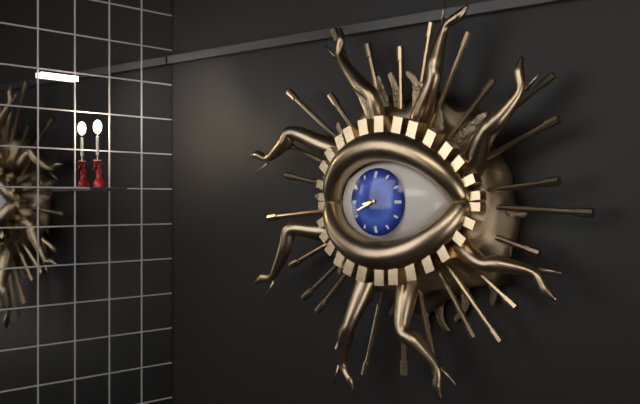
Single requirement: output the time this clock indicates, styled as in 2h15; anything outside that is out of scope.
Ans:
8h41
